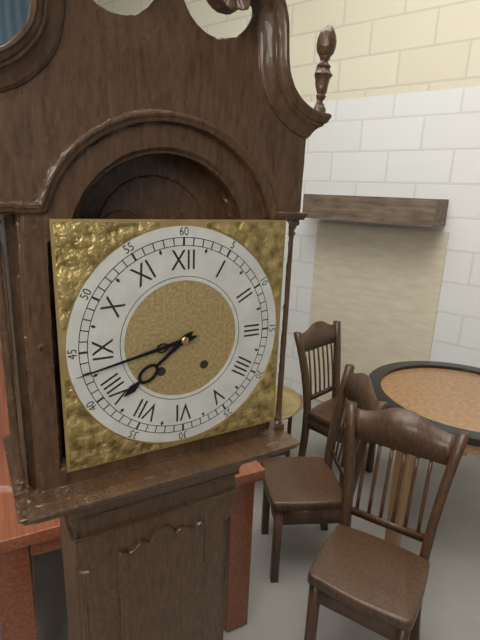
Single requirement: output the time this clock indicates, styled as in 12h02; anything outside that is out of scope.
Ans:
7h43
